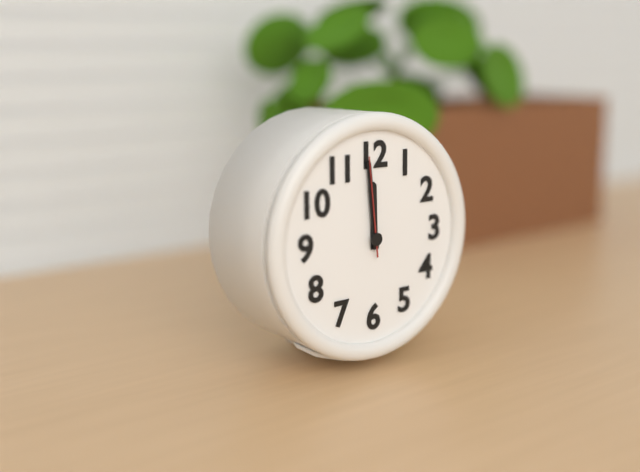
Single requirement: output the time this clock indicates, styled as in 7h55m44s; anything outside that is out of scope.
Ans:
11h59m59s
